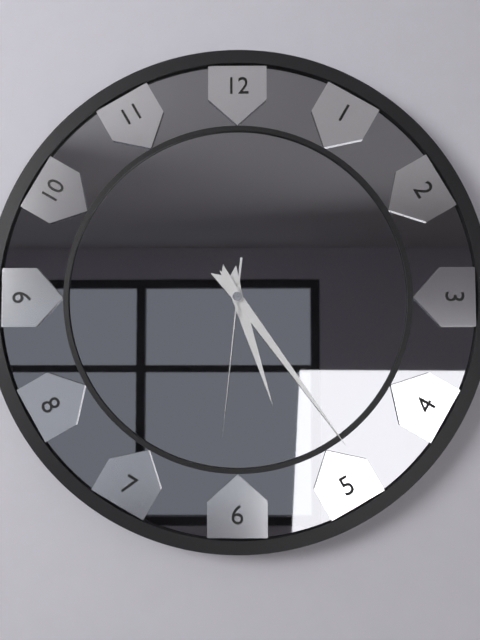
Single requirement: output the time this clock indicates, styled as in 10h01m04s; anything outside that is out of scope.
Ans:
5h24m31s
